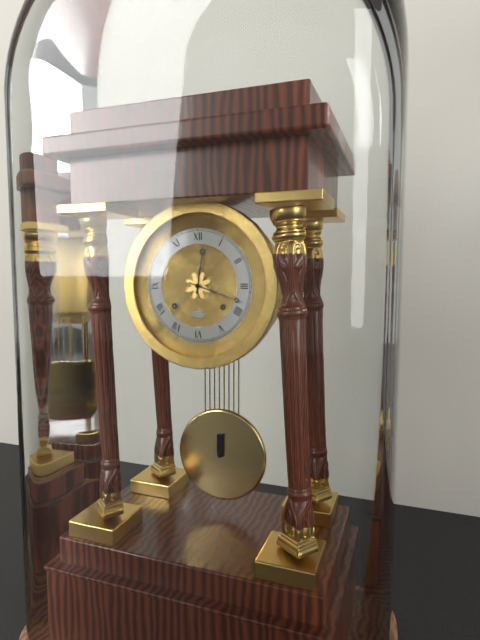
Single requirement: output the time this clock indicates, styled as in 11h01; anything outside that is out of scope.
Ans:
12h18
